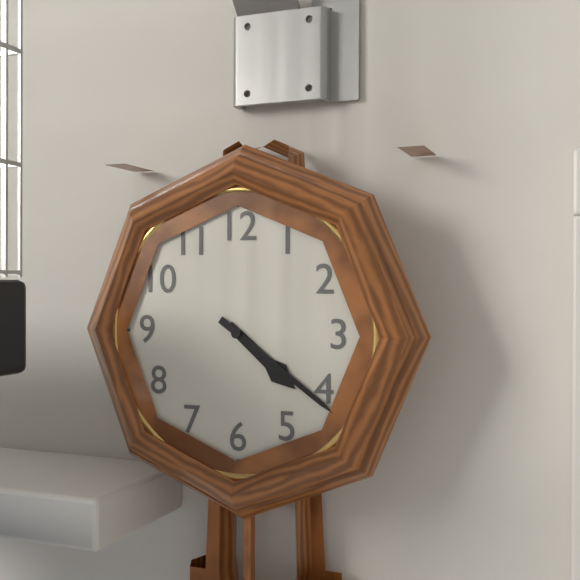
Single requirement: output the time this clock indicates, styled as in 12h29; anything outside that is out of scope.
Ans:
4h21
